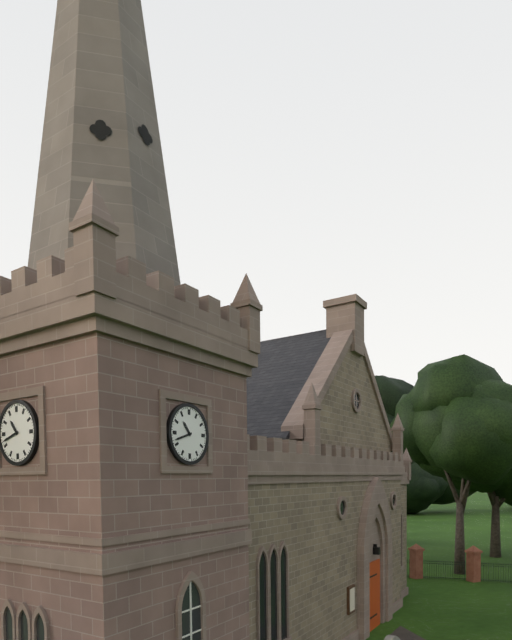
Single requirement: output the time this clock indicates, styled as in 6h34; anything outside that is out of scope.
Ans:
10h42
